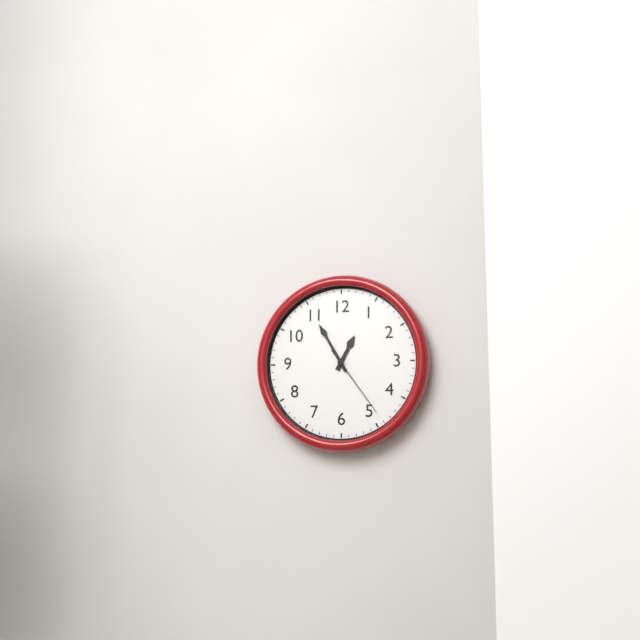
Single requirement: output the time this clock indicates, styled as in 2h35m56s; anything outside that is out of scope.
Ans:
12h55m24s
